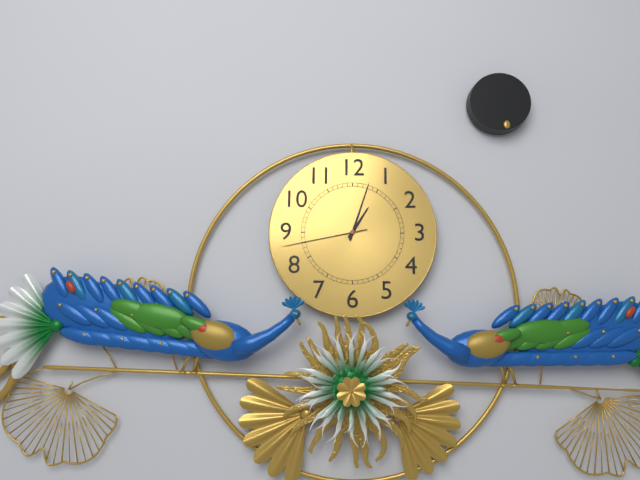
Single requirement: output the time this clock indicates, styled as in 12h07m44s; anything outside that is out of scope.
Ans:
1h03m43s
